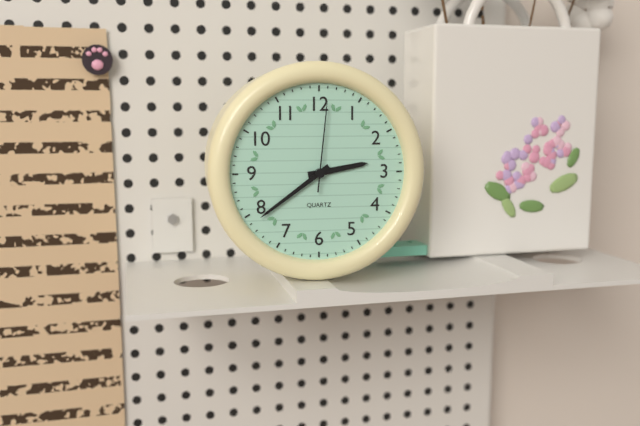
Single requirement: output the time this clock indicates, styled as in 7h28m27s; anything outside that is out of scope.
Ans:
2h39m01s
